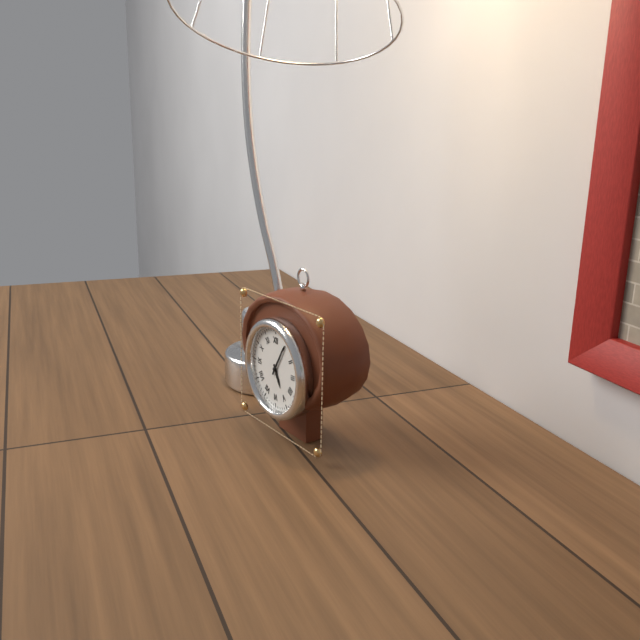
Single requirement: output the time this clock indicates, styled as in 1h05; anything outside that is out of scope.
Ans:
5h05
